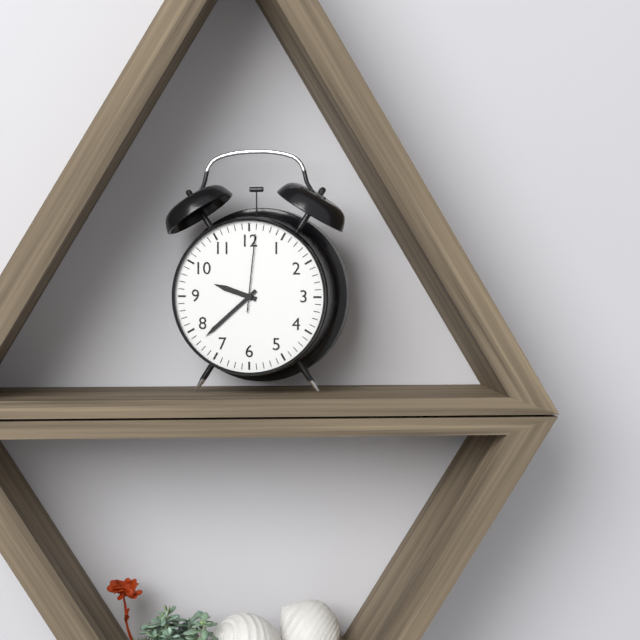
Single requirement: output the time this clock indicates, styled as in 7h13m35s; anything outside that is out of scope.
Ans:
9h38m01s
